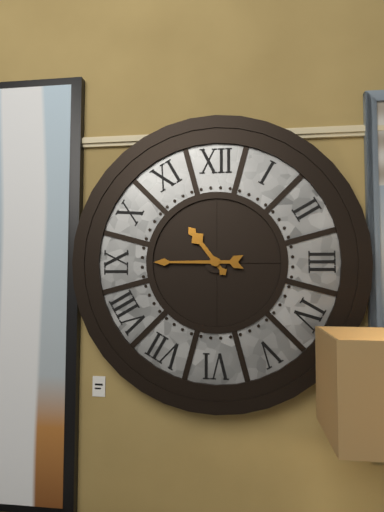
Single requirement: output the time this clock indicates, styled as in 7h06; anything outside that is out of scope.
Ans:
10h45
